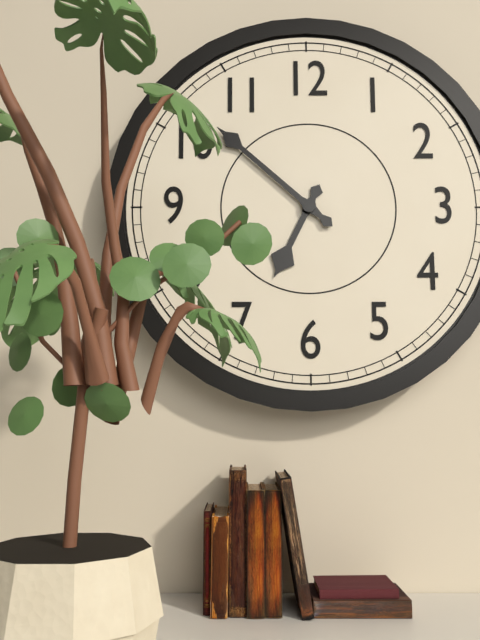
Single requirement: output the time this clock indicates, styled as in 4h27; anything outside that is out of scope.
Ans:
6h52
